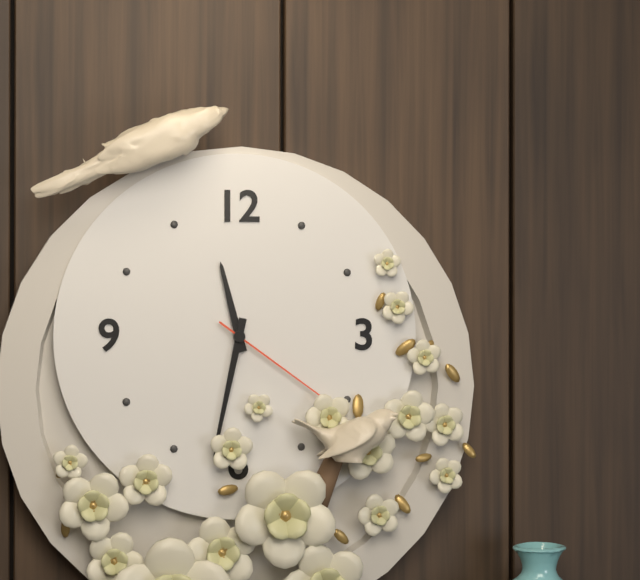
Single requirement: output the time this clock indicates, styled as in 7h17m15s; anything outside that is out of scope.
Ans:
11h32m21s
